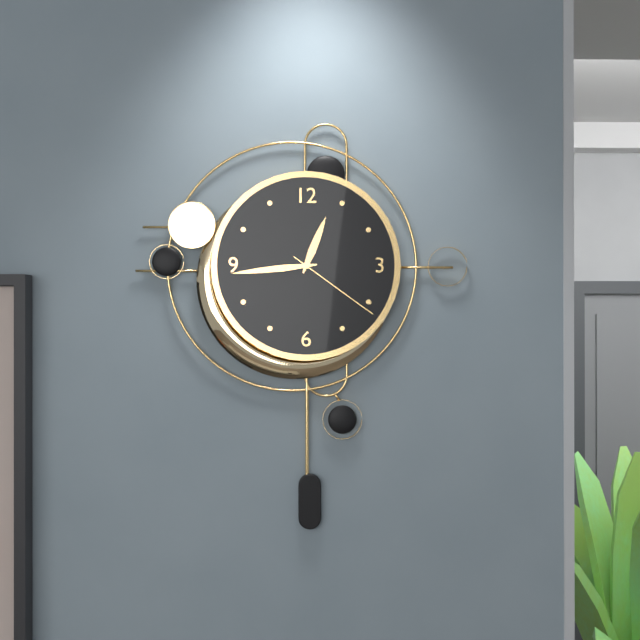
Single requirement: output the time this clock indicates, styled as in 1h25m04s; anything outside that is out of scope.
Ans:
12h44m21s
